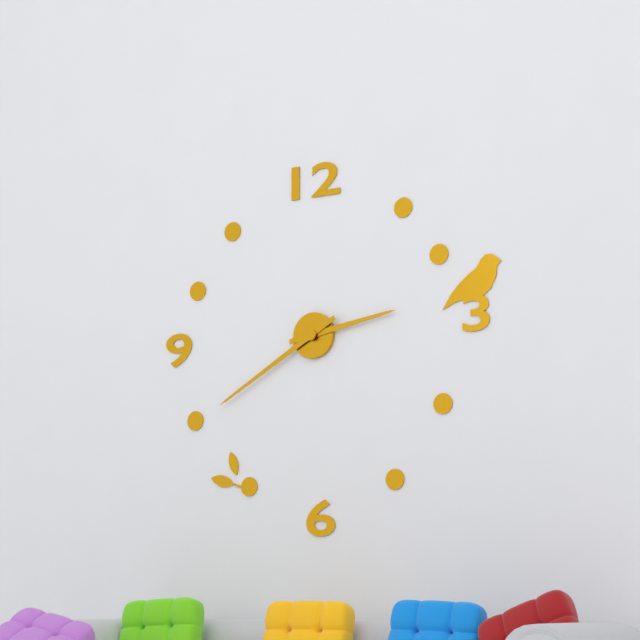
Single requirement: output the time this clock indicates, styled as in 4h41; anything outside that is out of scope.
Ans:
2h40
